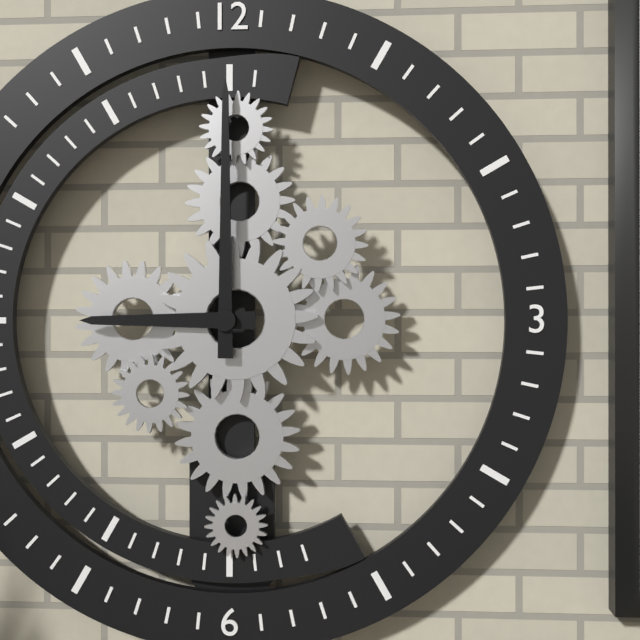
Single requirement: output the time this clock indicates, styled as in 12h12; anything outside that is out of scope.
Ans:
9h00
